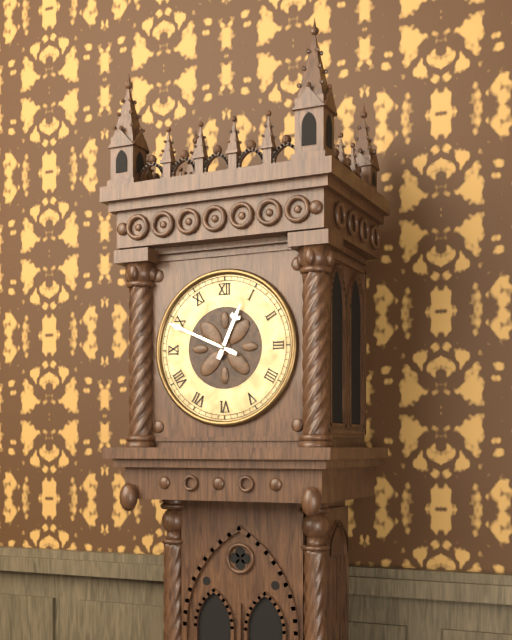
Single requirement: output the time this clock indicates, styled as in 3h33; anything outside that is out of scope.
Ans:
12h49
